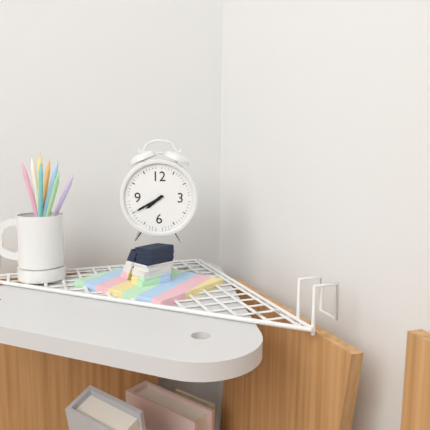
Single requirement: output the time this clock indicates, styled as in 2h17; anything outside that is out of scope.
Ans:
7h40
